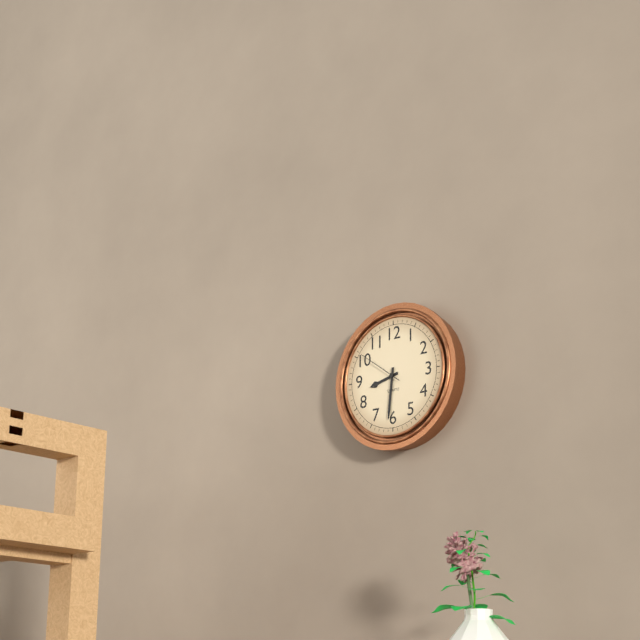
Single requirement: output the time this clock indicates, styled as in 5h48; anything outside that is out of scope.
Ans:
8h31
